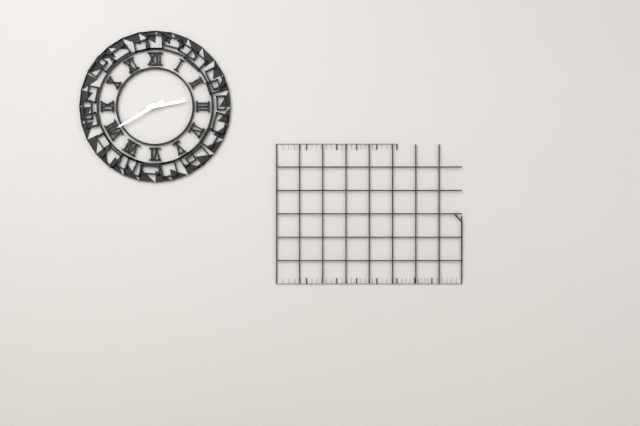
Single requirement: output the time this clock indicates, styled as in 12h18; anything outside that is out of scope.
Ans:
2h40
